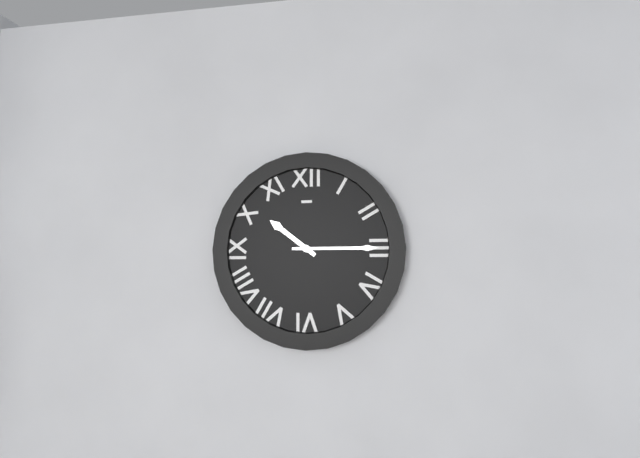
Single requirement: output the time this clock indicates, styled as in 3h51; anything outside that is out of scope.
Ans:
10h15
